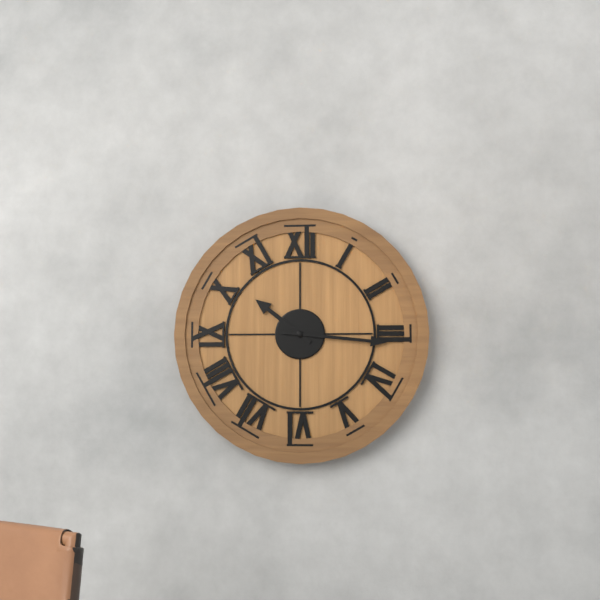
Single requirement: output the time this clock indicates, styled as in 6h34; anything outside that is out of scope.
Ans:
10h16
